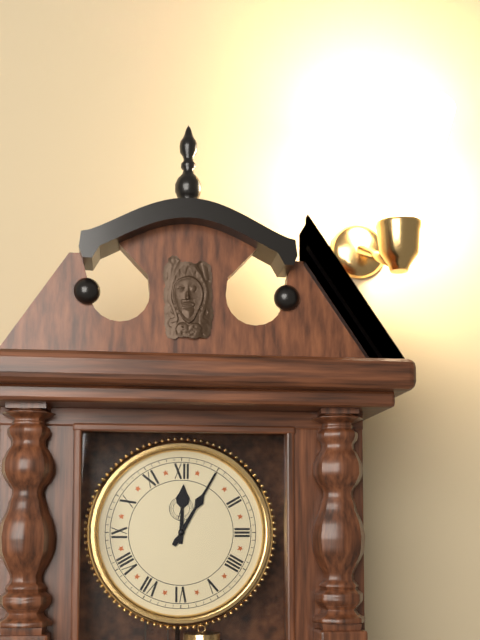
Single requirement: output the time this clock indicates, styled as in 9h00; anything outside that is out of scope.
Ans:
12h05
